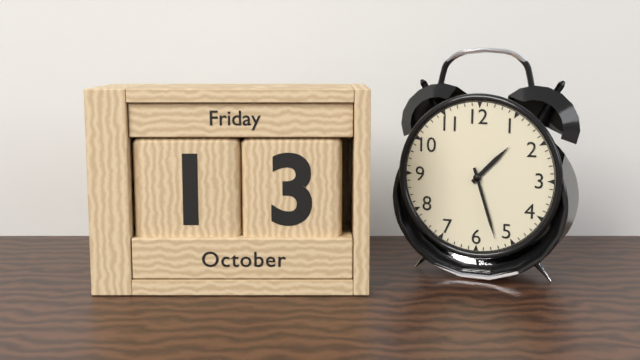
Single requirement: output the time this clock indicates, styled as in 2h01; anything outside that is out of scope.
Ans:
1h27
